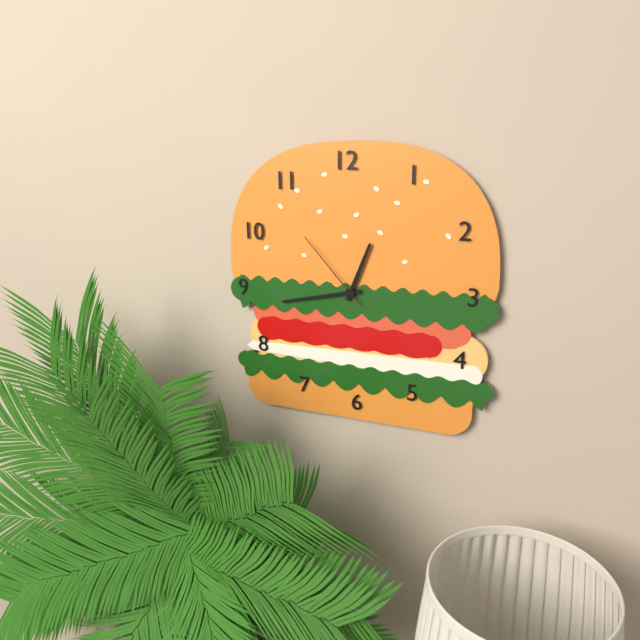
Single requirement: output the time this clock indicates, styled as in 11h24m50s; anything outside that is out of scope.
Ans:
12h43m53s
